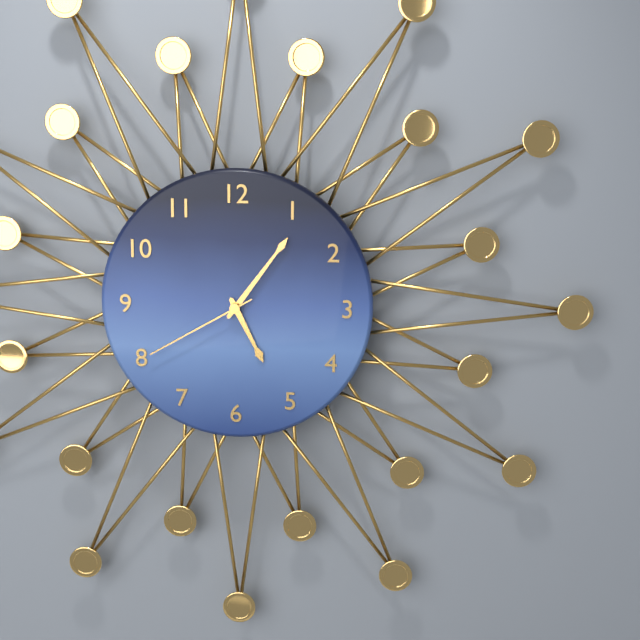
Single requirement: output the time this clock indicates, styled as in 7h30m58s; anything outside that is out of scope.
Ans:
5h06m40s
